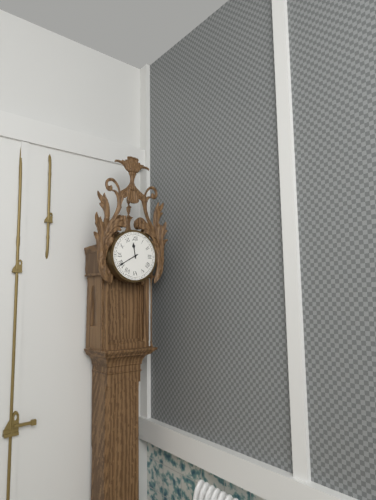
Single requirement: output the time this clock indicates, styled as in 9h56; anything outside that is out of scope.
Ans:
11h40
